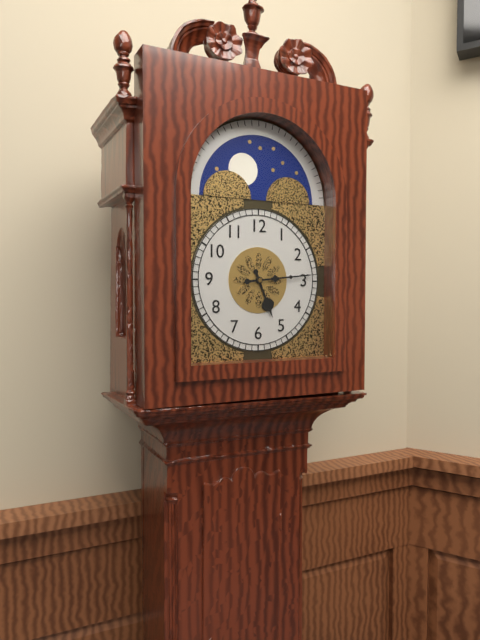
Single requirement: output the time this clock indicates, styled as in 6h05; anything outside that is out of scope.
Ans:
5h14
